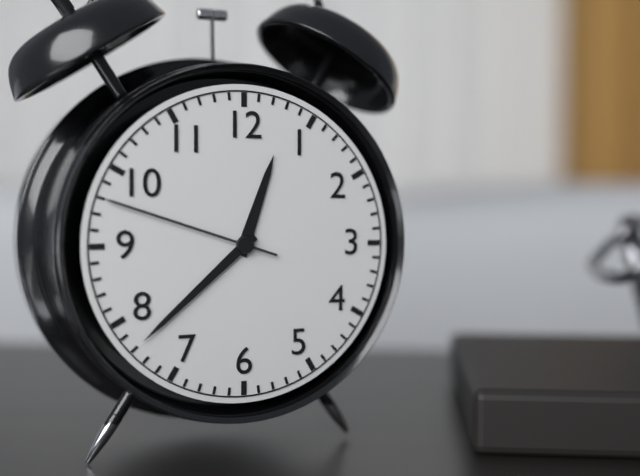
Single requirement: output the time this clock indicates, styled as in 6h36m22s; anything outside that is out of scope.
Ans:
12h38m48s
